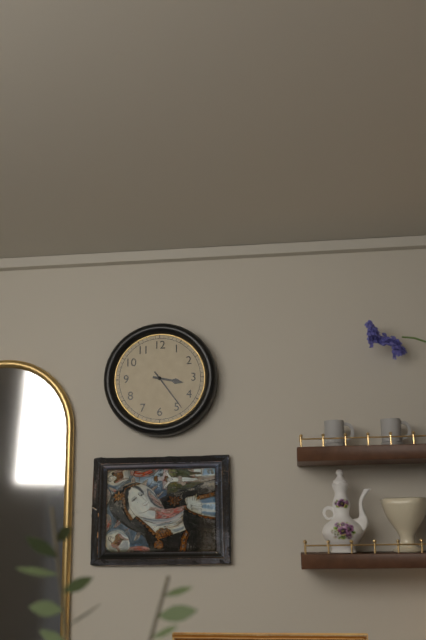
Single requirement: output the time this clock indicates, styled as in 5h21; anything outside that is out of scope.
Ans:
3h24
